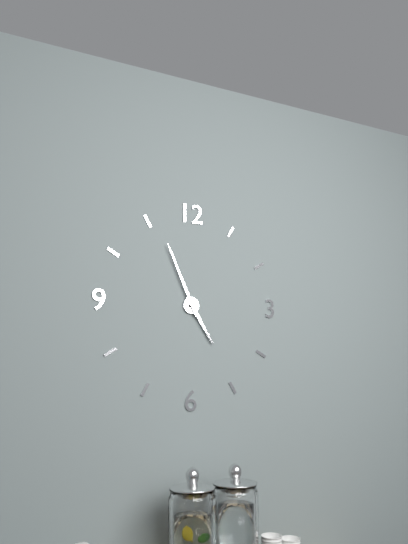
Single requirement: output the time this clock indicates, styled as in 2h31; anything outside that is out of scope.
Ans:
4h56
